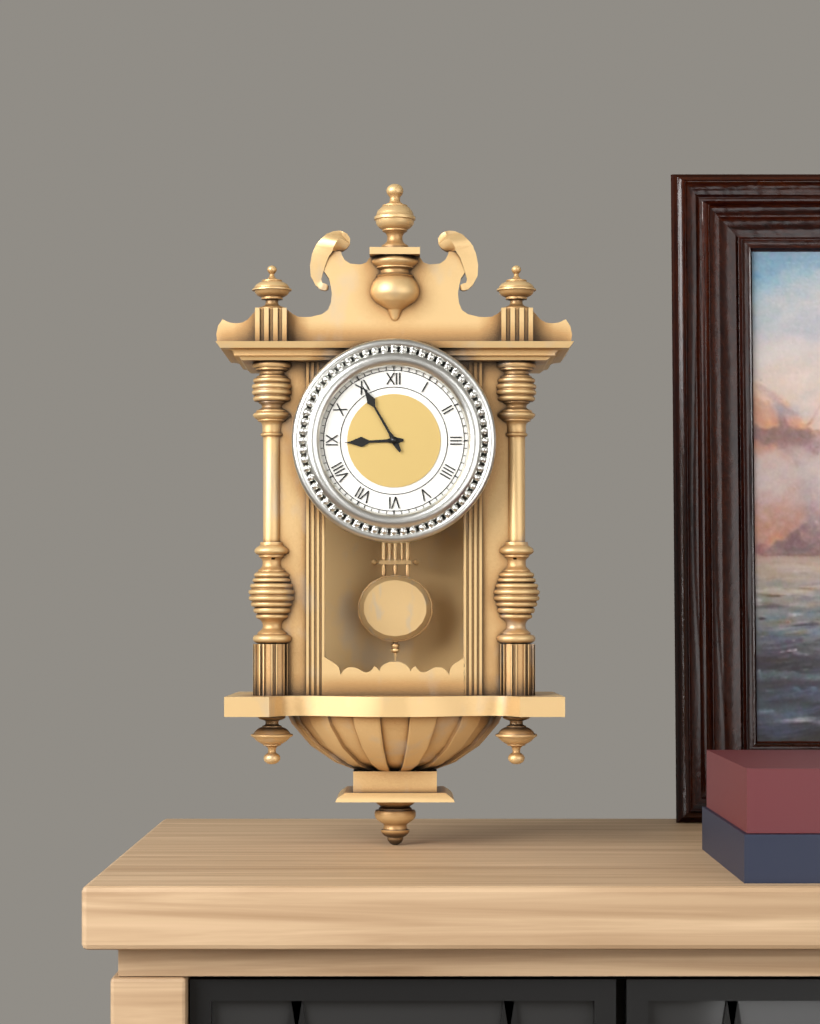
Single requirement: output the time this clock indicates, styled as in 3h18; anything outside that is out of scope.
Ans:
8h55
